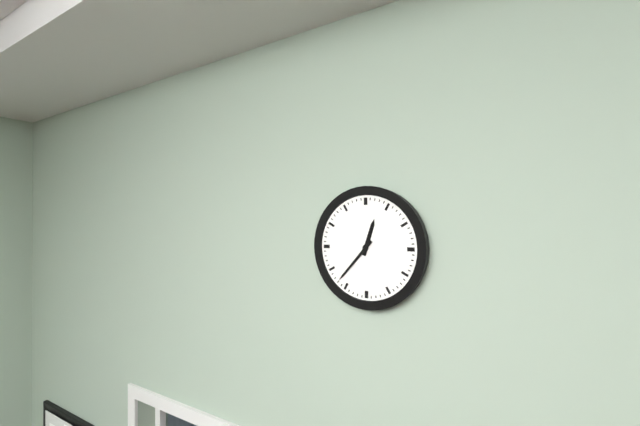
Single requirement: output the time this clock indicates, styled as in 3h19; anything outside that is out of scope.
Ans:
12h37
